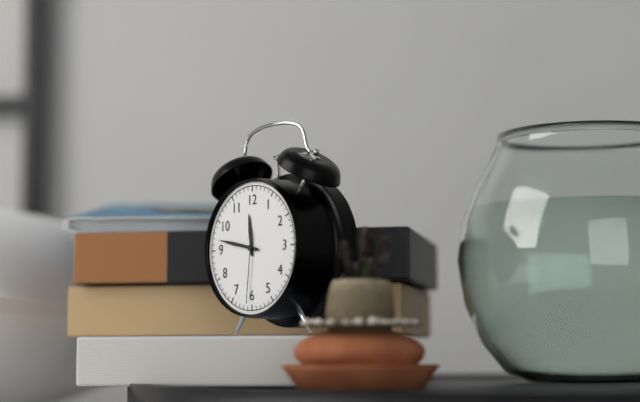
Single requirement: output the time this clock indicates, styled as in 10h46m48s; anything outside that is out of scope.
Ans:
11h47m31s
